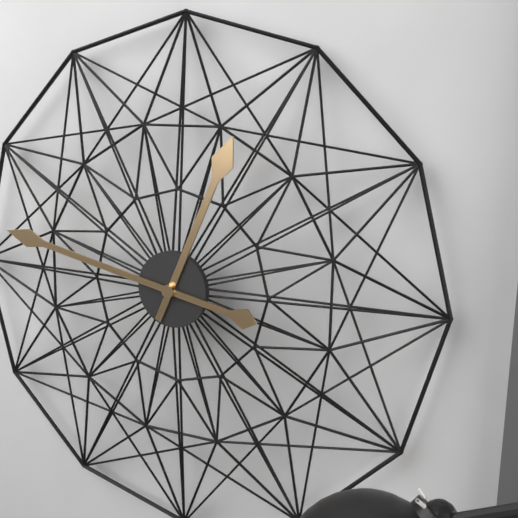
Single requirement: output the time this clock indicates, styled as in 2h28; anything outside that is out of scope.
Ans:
12h47
